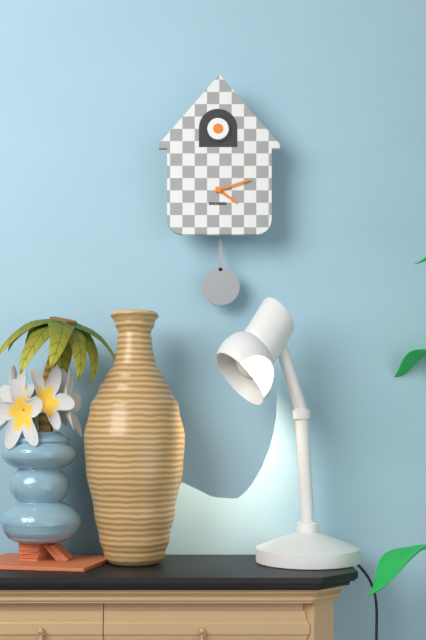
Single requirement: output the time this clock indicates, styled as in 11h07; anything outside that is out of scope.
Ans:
4h12
